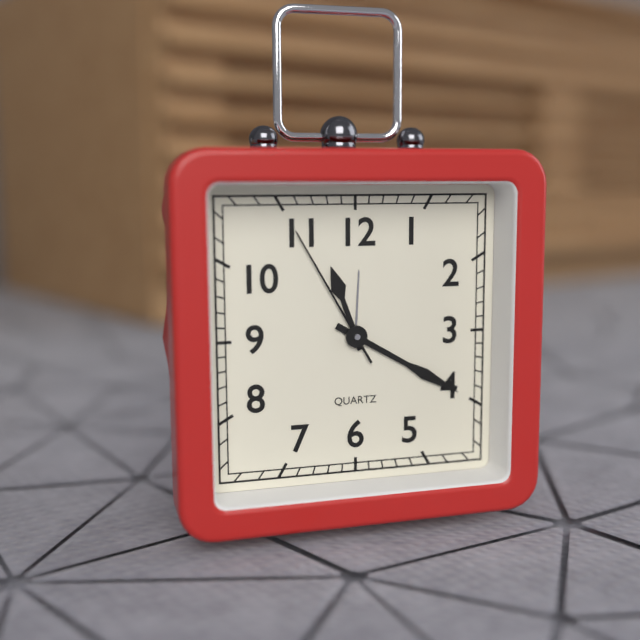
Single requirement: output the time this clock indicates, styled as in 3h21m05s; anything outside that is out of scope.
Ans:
11h20m55s
